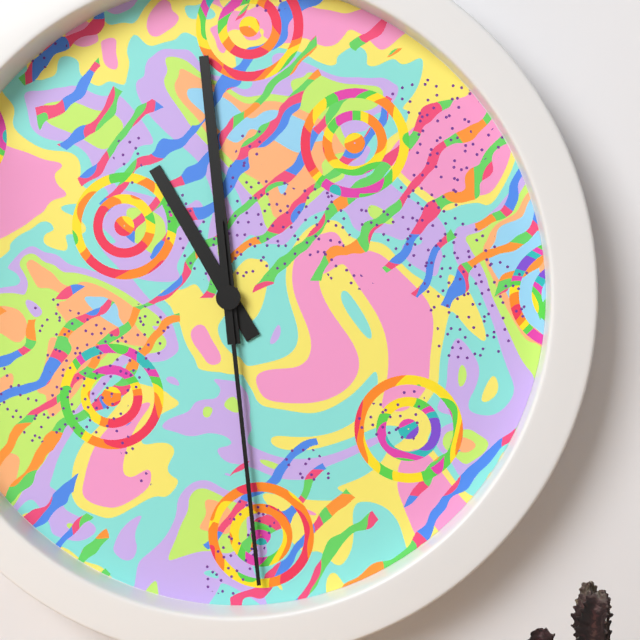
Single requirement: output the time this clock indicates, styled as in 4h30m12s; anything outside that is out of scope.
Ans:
10h59m29s
